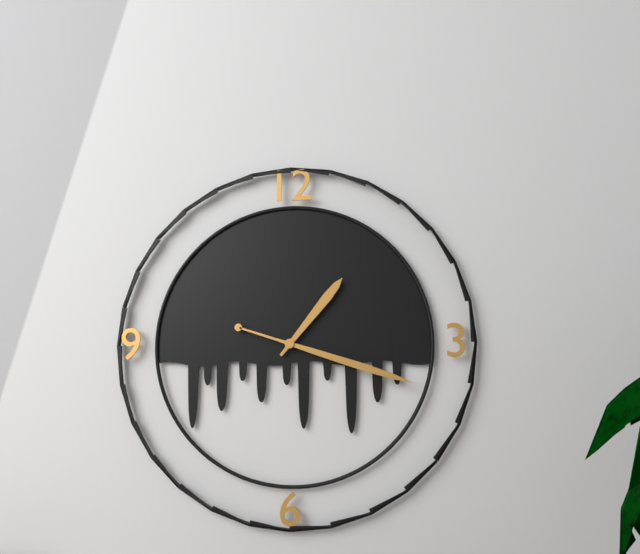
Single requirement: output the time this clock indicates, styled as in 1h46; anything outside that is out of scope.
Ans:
1h18
